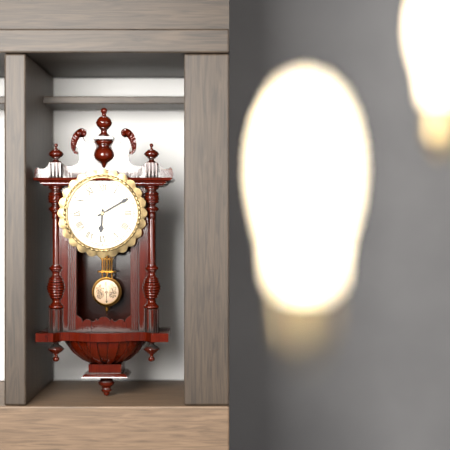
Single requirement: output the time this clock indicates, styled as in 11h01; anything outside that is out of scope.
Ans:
6h10
